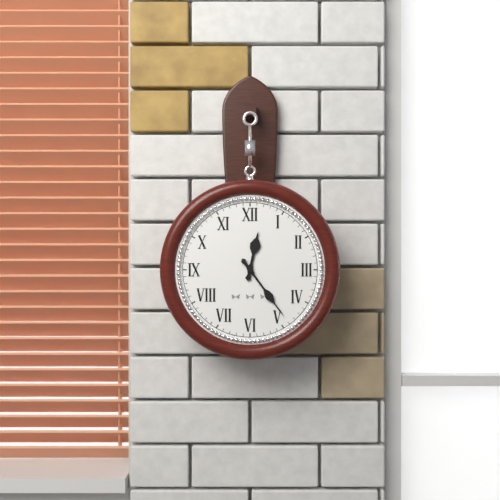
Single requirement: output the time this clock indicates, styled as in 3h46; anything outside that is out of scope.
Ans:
12h24
